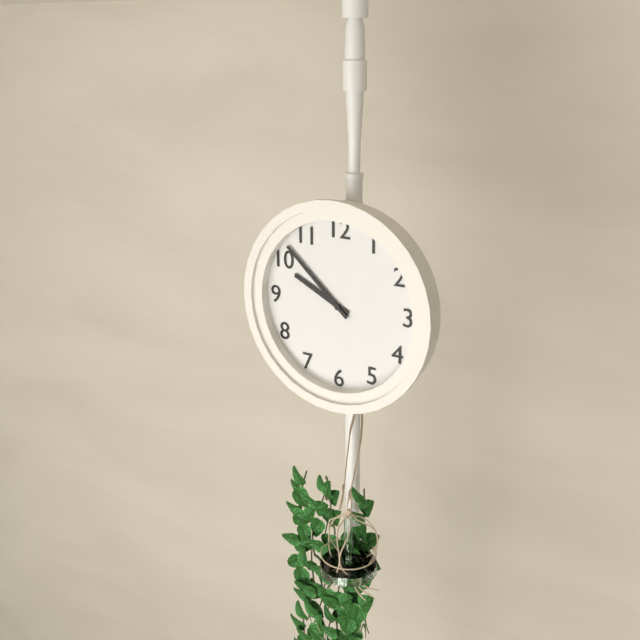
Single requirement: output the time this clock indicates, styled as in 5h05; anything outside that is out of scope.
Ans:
9h52
